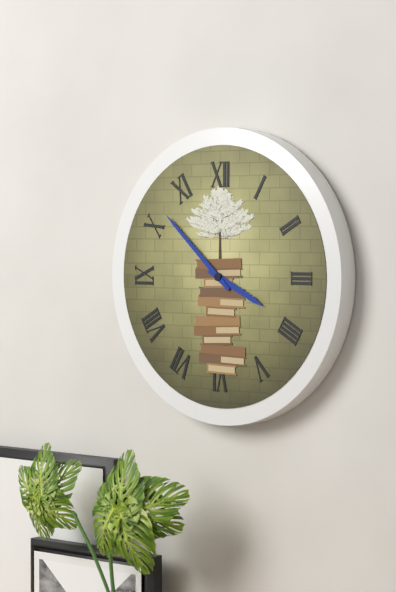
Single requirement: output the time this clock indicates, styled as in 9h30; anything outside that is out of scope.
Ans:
3h52
